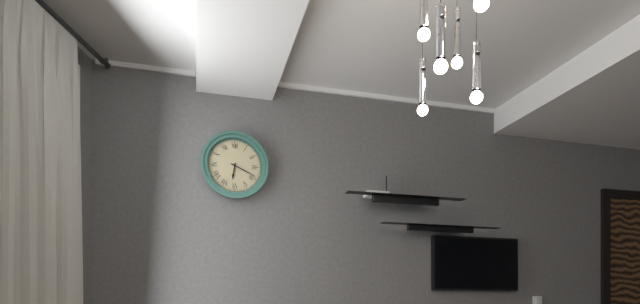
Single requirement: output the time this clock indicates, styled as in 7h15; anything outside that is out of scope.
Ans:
6h19
